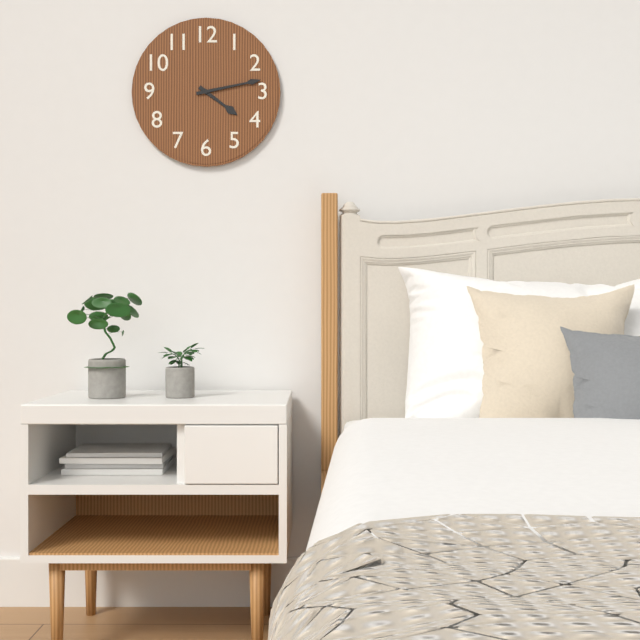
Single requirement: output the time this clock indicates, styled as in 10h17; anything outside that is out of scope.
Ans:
4h13
